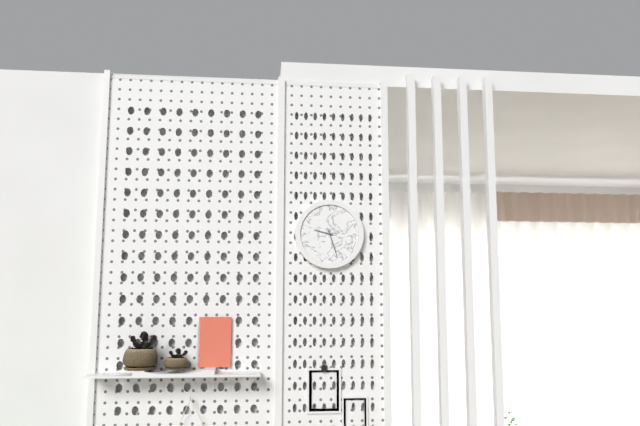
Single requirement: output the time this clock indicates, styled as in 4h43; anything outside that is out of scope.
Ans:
9h27
